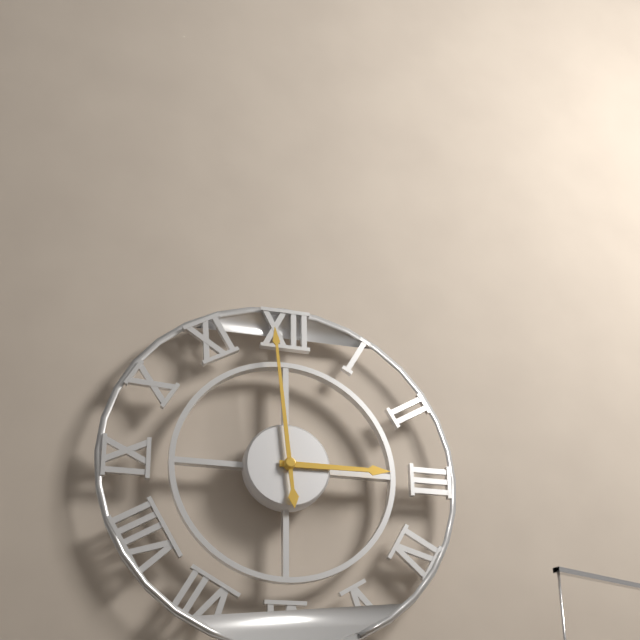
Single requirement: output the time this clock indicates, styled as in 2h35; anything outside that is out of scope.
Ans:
2h59
